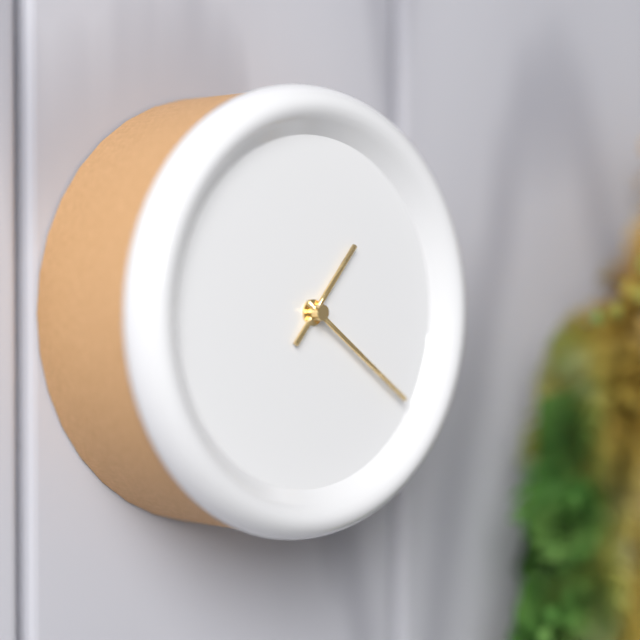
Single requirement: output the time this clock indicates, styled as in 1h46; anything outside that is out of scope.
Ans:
1h21
